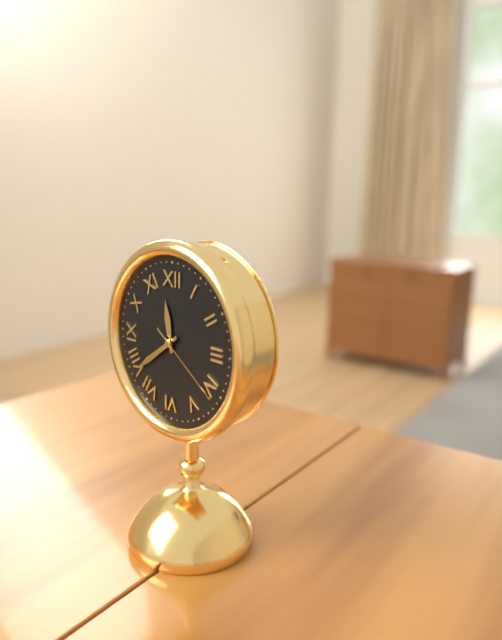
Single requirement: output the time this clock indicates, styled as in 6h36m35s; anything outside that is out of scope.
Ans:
11h39m21s
